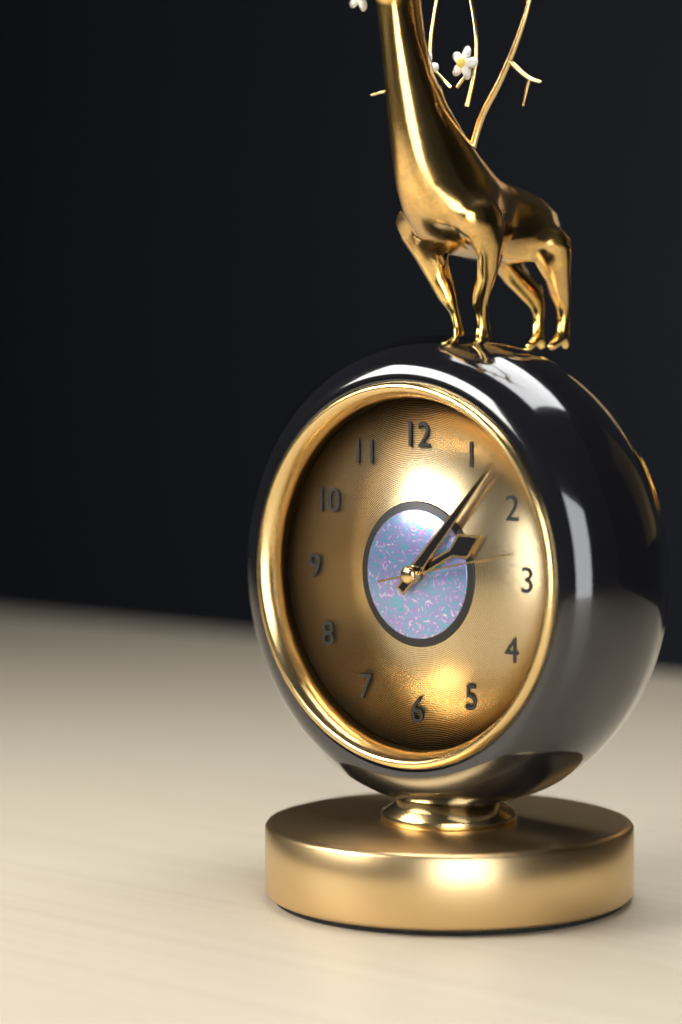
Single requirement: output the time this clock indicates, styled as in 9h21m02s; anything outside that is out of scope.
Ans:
2h07m13s
